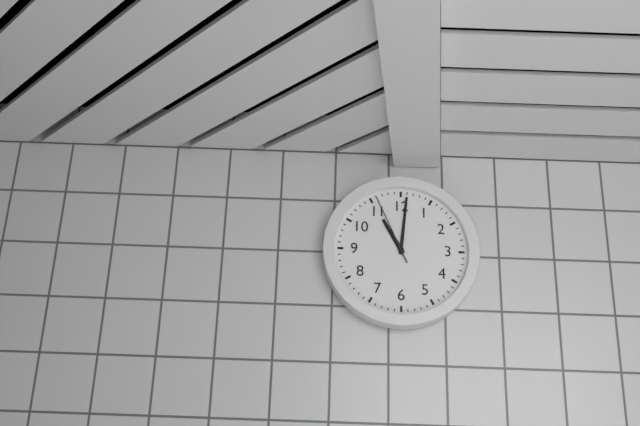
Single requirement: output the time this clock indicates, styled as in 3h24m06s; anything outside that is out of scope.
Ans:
11h01m56s
